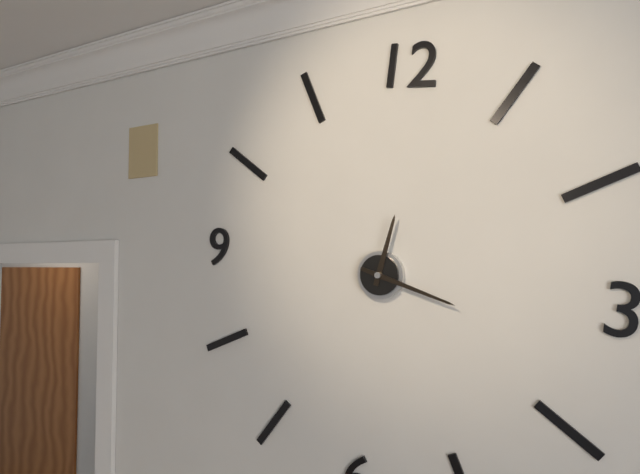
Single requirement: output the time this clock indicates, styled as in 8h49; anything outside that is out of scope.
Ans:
12h17
